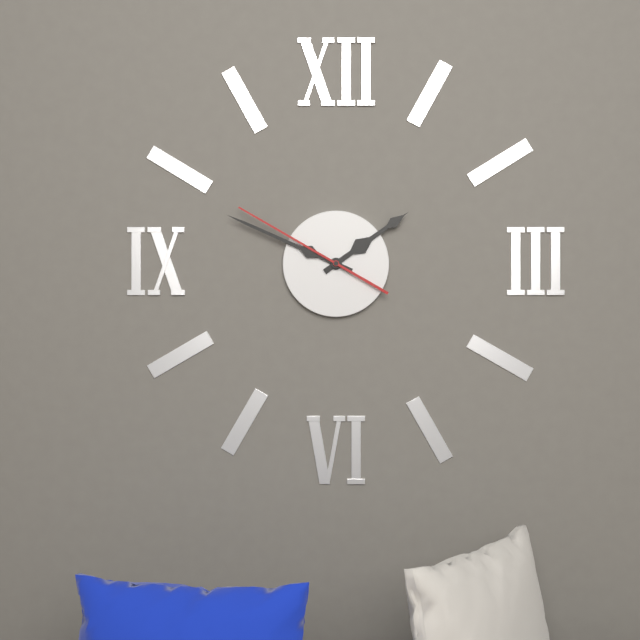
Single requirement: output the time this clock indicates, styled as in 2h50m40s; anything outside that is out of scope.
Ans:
1h49m50s
